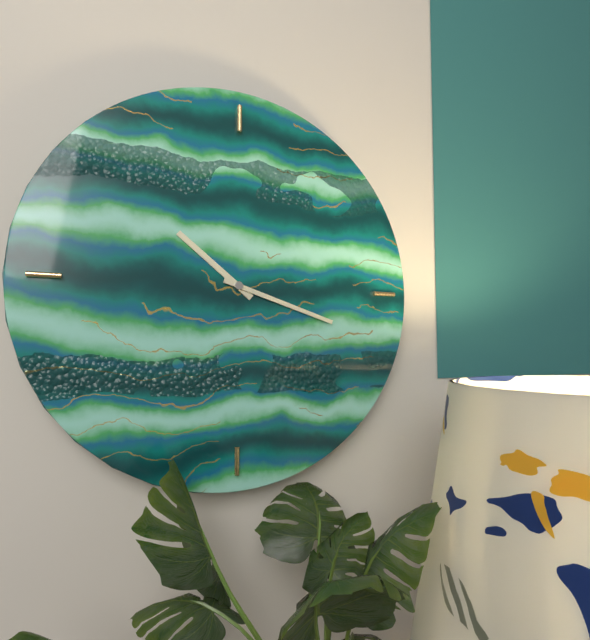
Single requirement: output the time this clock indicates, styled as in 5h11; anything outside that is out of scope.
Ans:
10h18
